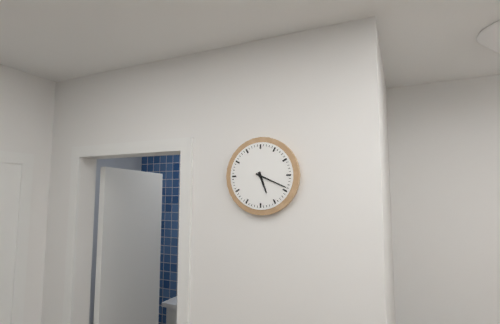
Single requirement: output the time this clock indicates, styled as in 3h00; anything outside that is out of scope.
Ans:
5h19
